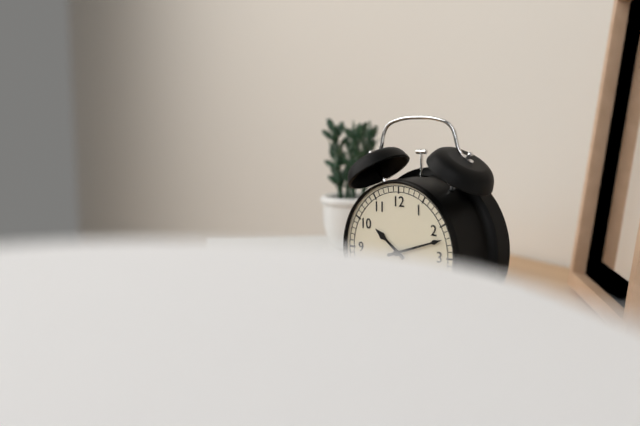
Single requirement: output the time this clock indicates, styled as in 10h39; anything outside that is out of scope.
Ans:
10h12
